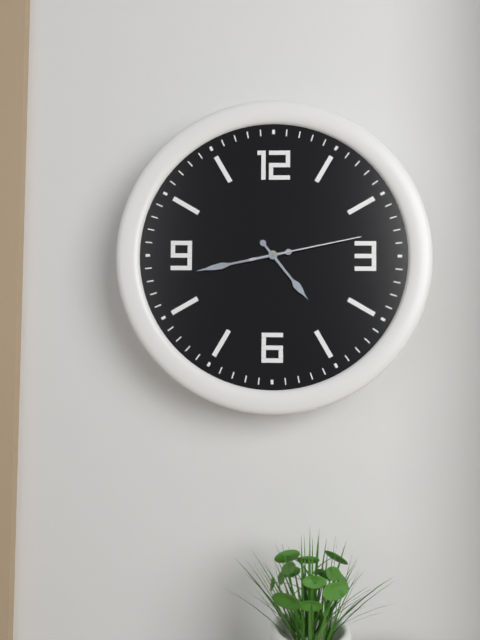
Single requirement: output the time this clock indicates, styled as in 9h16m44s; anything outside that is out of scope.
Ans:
4h43m13s
